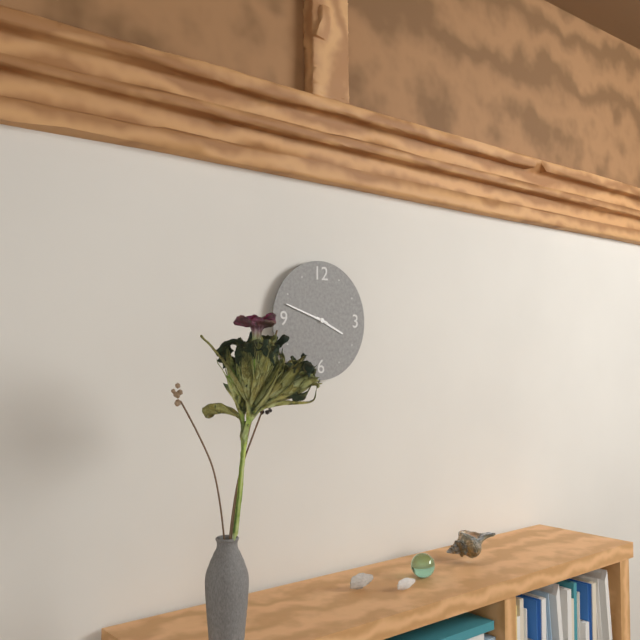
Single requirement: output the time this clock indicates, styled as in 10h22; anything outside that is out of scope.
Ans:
3h48
